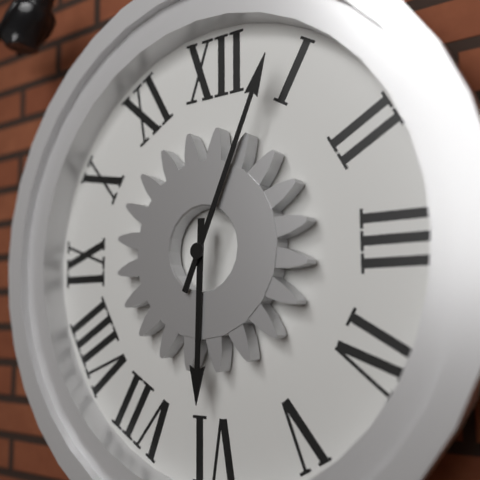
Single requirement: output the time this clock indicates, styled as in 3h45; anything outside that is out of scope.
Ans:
6h04
